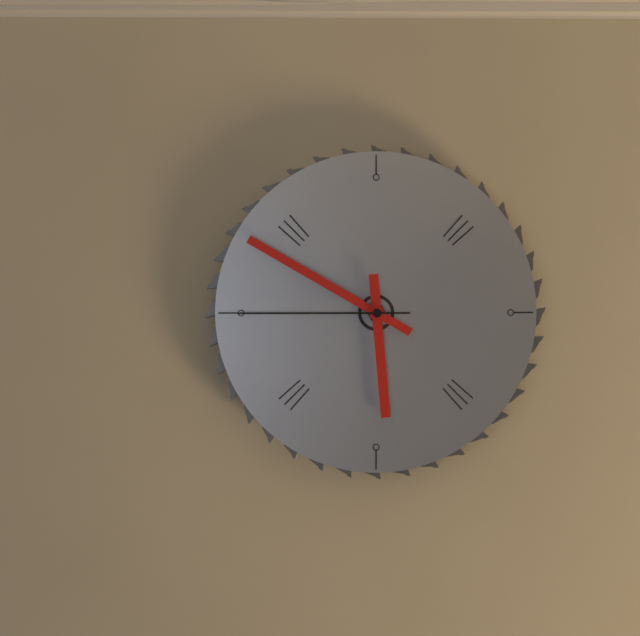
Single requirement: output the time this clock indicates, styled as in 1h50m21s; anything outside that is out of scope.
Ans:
5h50m45s
